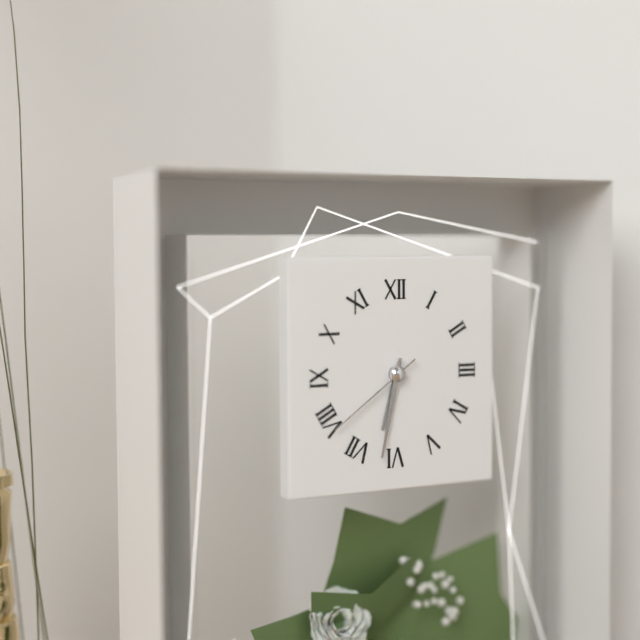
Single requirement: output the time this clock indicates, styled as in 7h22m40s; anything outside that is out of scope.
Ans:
6h32m39s
